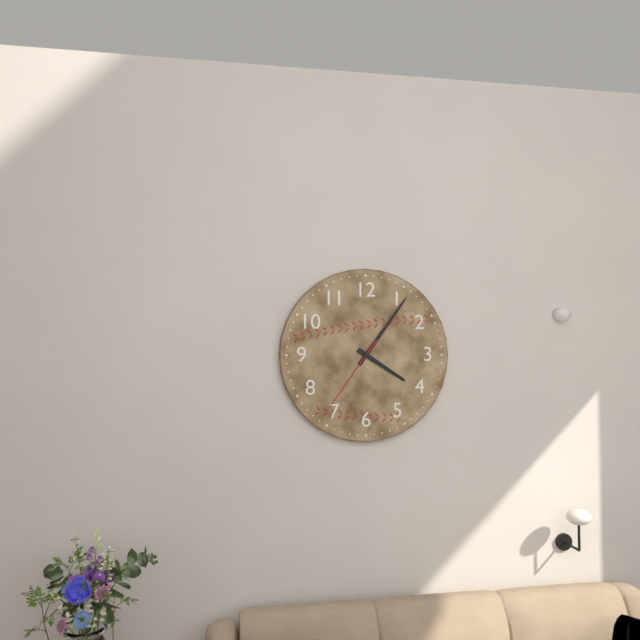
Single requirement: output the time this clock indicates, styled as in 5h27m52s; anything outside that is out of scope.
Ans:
4h06m36s
